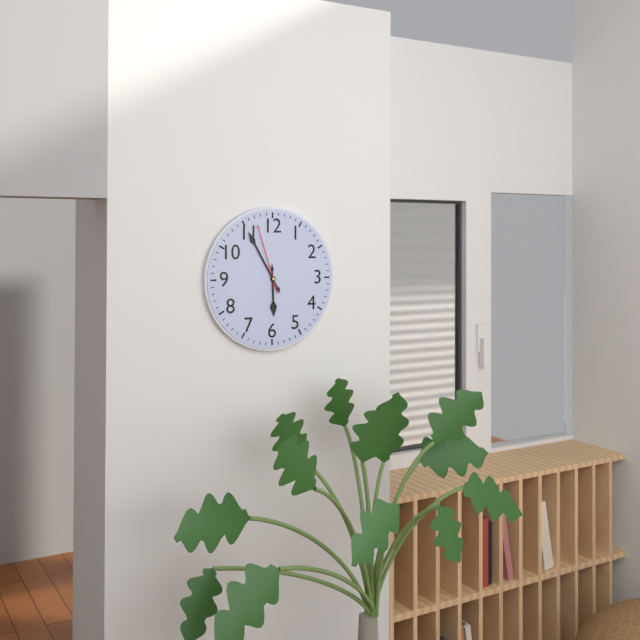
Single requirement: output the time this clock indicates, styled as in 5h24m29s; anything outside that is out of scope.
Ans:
5h55m57s
